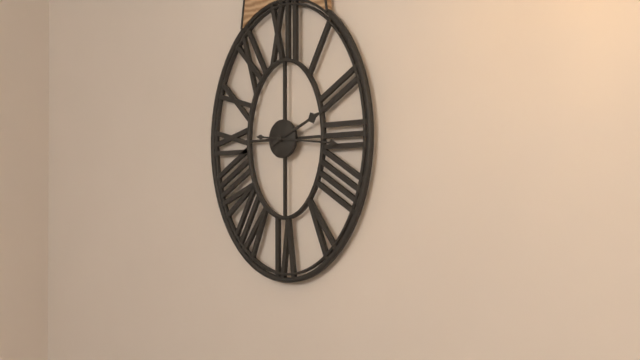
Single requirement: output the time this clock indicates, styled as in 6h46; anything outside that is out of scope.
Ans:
2h16
